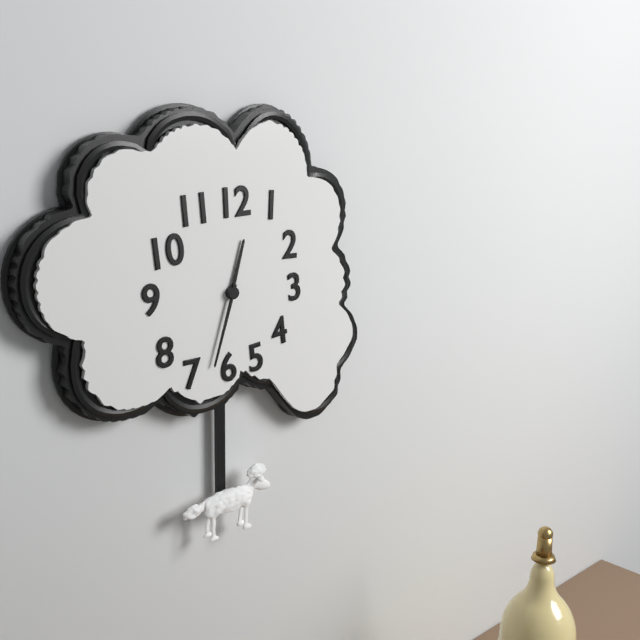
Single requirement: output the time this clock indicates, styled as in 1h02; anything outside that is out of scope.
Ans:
12h33
